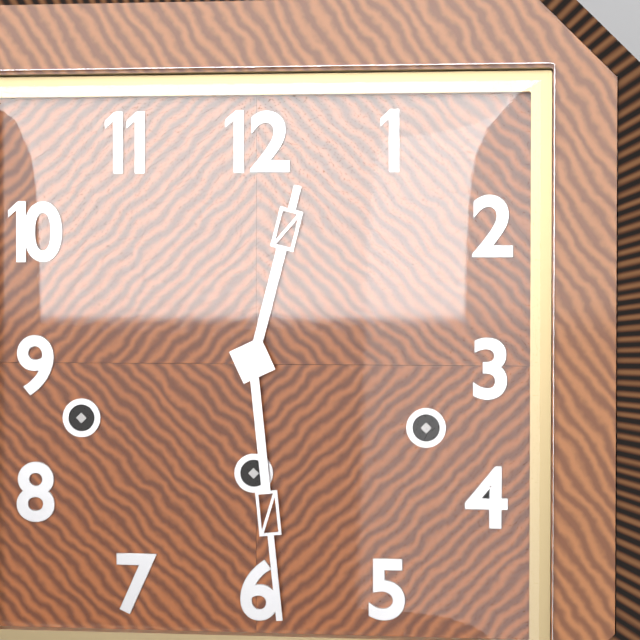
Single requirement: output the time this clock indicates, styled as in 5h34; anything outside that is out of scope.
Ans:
12h29
